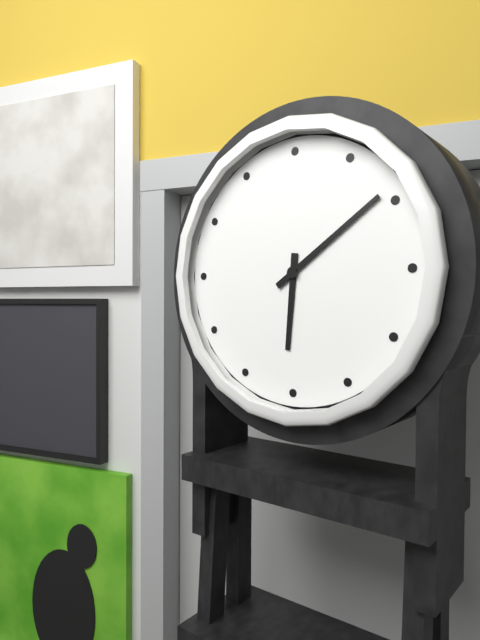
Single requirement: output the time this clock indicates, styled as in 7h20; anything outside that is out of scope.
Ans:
6h09
